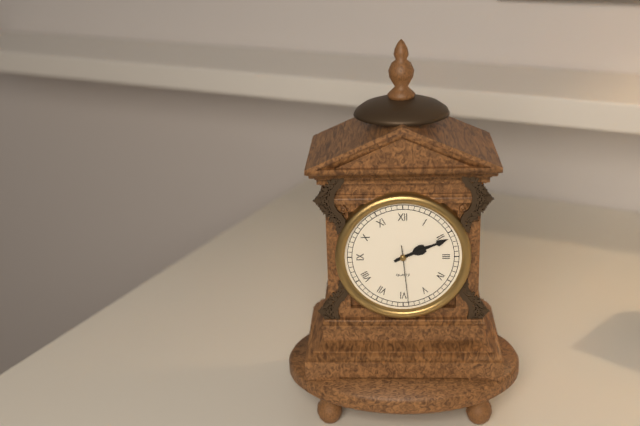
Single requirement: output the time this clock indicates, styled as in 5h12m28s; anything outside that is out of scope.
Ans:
2h11m29s
